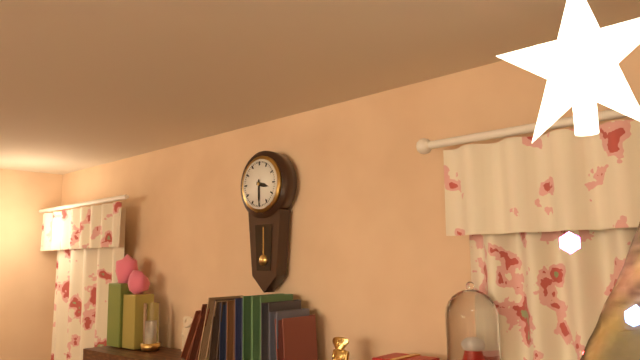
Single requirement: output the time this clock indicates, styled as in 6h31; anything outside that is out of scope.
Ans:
3h30
